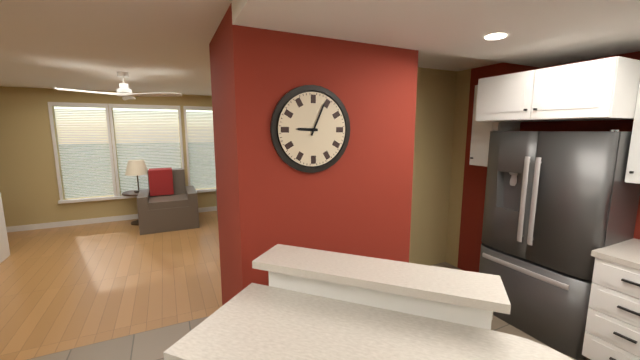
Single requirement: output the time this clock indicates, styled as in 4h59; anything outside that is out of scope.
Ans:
9h04
